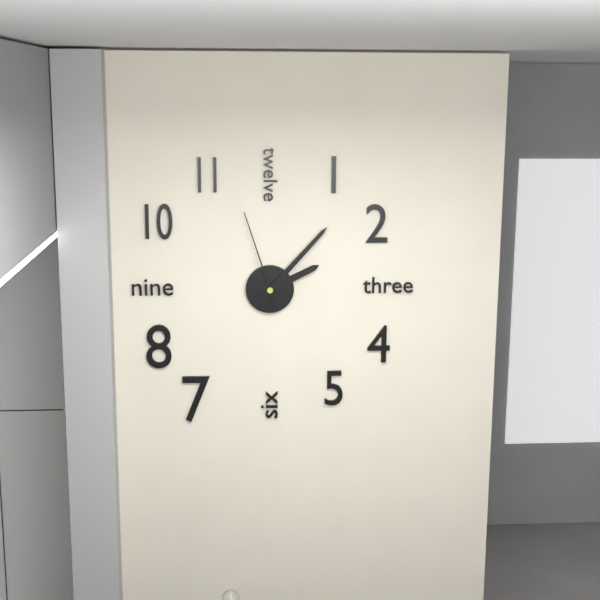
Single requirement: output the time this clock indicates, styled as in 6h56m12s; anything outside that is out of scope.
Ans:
2h07m57s
